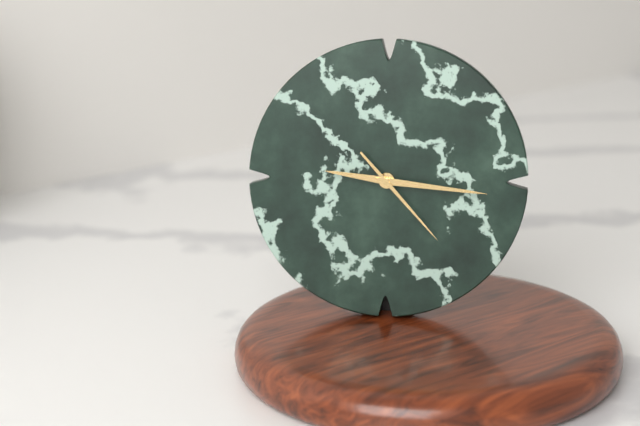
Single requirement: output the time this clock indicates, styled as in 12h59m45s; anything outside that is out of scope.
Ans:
9h16m23s
